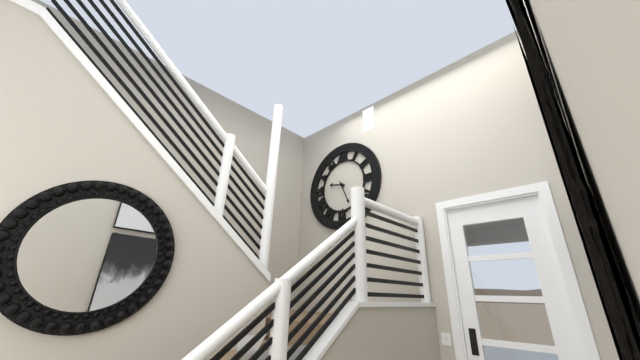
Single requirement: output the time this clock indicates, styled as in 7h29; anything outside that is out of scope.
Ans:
9h26
